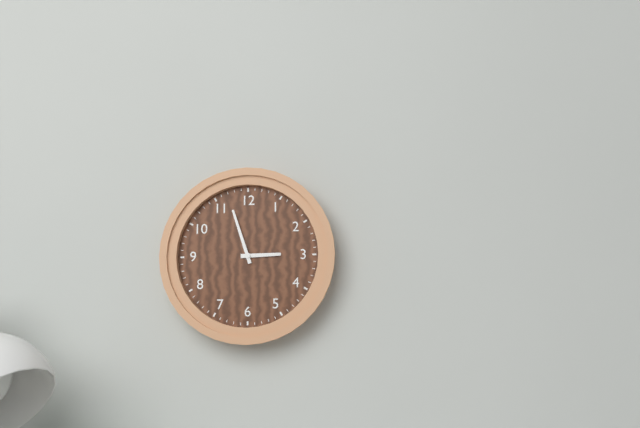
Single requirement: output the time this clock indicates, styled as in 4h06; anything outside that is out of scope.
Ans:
2h57
